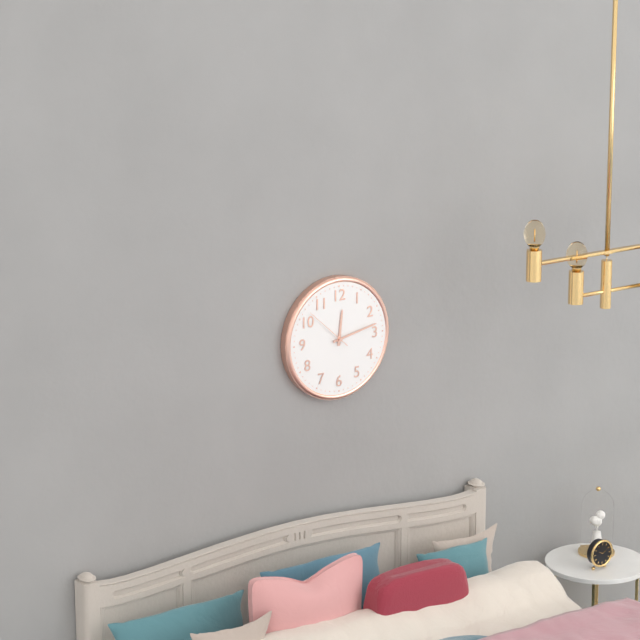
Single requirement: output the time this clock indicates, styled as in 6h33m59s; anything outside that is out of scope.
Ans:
12h13m52s
